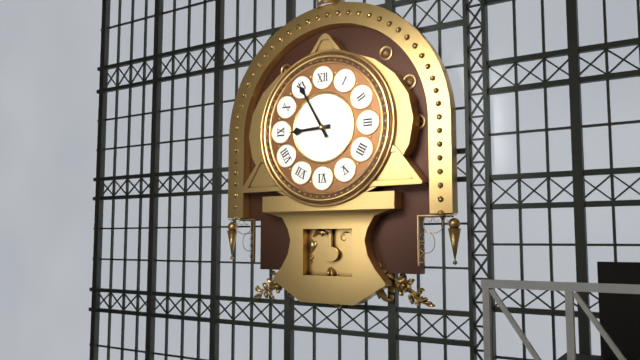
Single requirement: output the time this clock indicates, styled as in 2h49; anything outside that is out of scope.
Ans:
8h55
